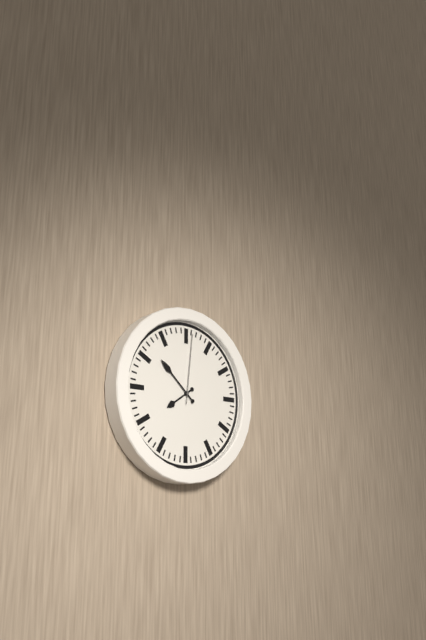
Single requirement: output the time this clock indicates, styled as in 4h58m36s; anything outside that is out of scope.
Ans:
7h52m01s
